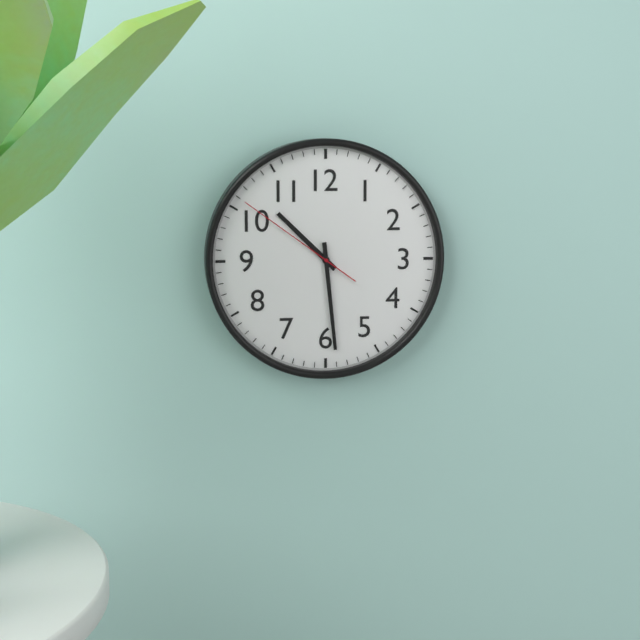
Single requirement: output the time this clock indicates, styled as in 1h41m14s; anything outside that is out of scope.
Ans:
10h29m51s
